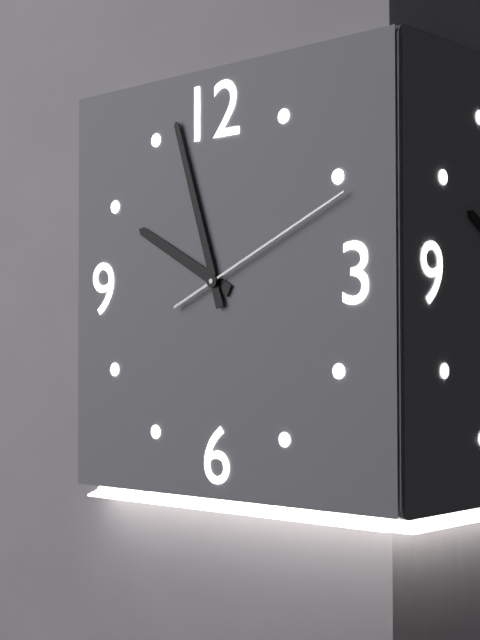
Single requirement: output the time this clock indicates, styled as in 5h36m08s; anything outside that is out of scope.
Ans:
9h57m11s
